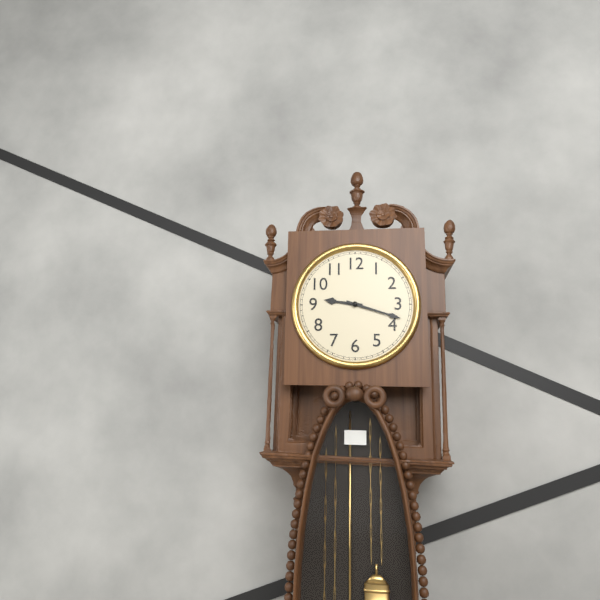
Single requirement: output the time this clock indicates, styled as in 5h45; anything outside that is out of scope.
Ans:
9h18
